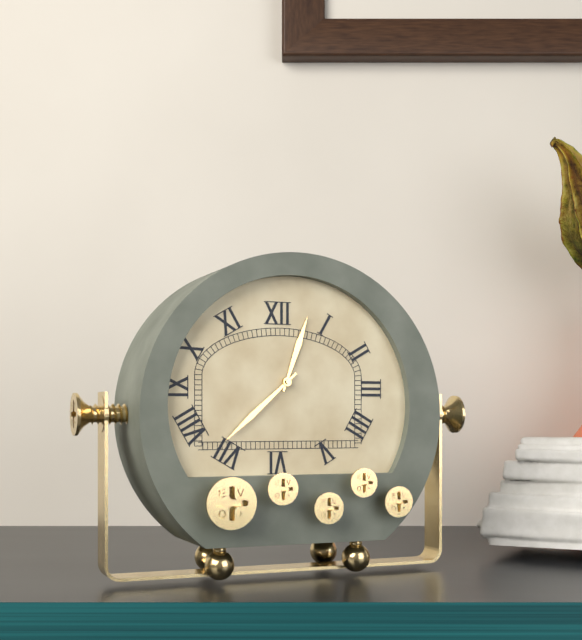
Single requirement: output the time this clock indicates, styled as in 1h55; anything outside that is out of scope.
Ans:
12h38
